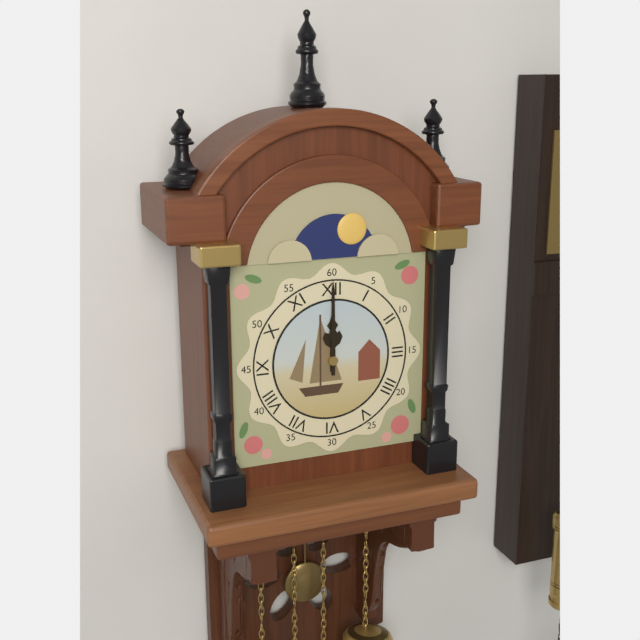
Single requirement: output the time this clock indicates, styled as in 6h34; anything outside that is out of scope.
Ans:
12h00
